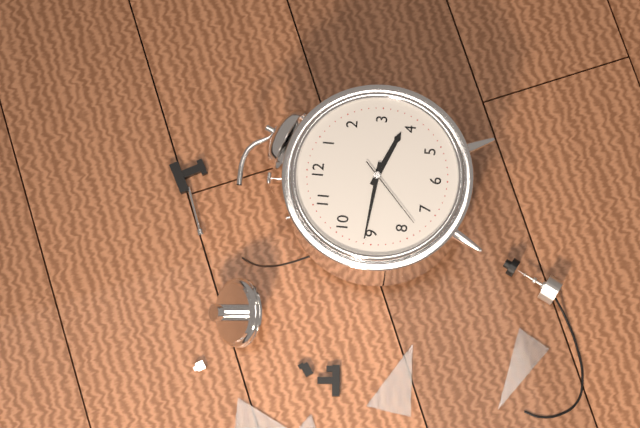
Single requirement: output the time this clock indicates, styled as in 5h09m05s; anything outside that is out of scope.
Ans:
3h46m38s
